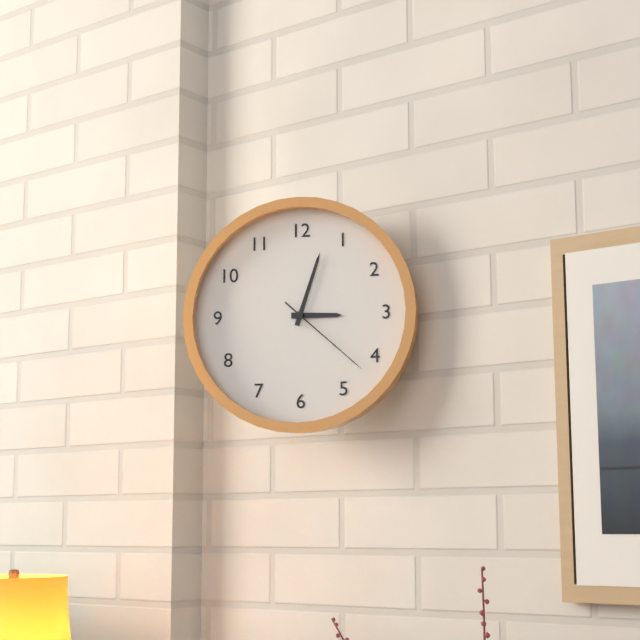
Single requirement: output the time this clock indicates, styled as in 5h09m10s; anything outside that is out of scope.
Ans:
3h03m22s
